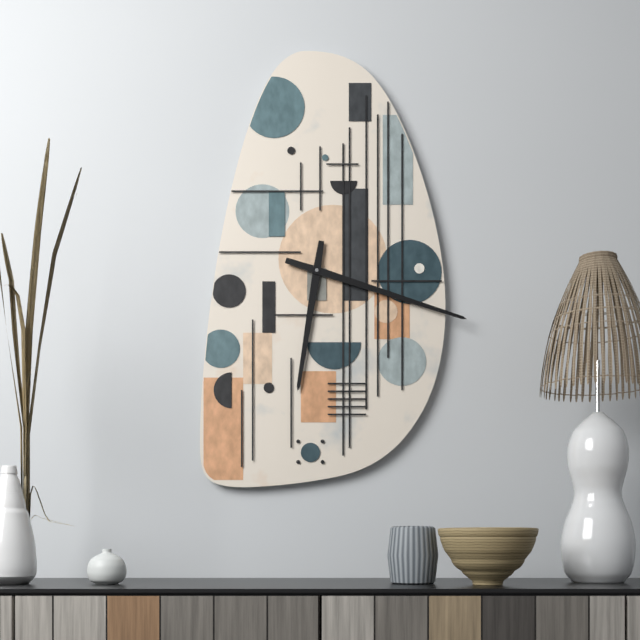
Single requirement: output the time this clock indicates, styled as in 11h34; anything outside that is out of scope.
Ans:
6h18
